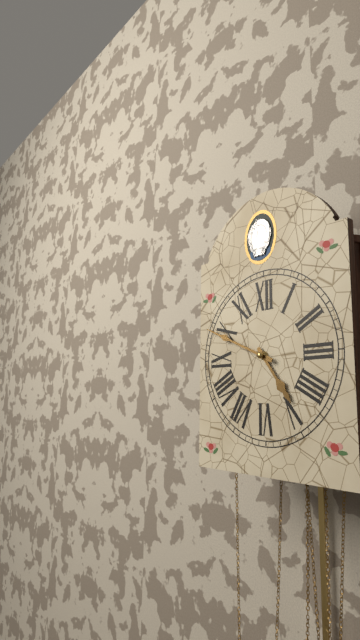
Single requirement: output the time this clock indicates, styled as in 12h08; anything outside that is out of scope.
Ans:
4h49
